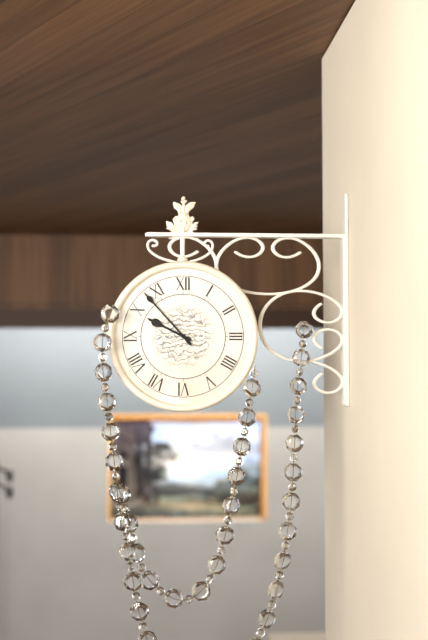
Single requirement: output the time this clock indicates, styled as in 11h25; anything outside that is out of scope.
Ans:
9h53
